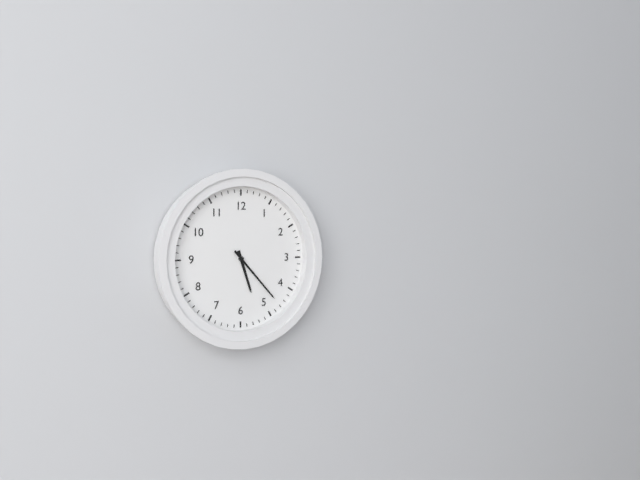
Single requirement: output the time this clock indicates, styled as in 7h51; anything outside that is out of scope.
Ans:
5h23
